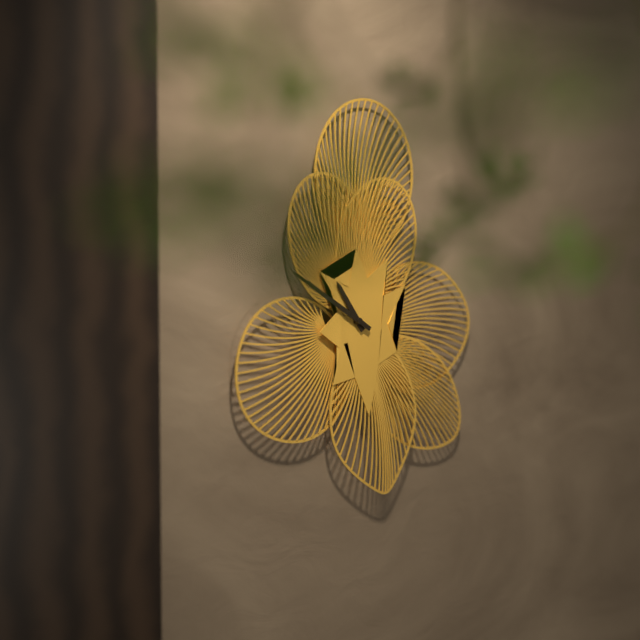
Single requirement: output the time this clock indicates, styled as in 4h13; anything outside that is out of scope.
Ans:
10h50
